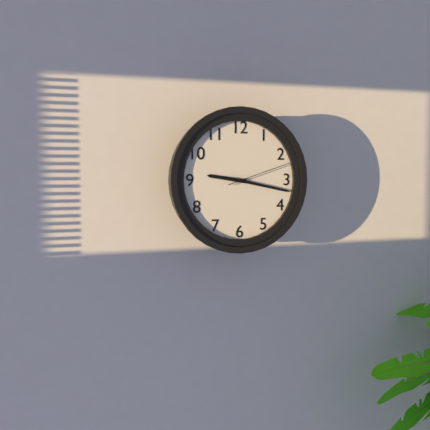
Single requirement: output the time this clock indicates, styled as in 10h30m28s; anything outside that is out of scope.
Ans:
9h17m12s
